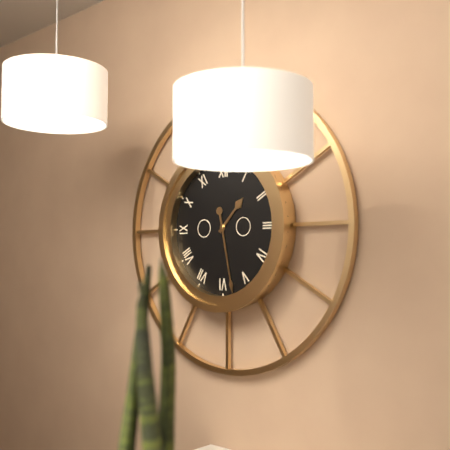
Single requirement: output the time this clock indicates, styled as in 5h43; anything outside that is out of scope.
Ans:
1h28
